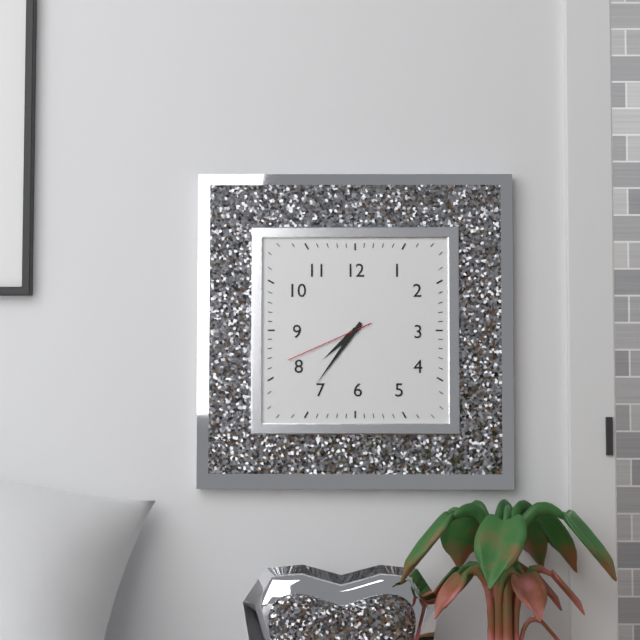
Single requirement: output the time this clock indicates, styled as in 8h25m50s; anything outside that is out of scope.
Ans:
7h36m41s
